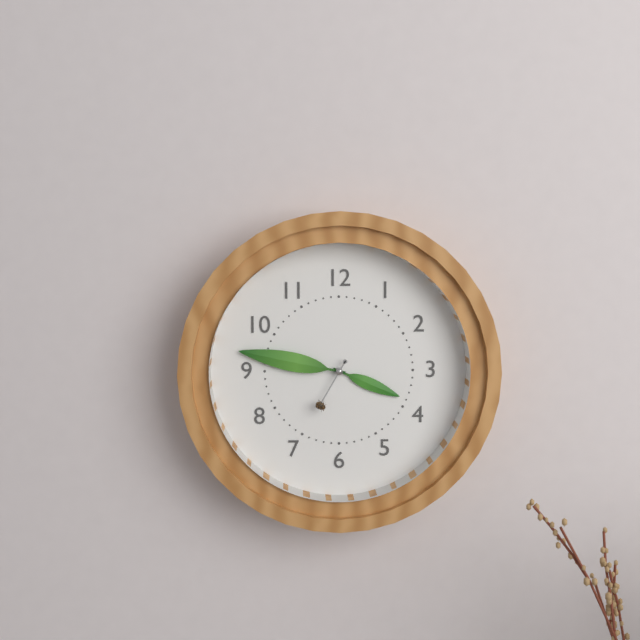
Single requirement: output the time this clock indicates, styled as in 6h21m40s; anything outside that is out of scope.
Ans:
3h47m35s
